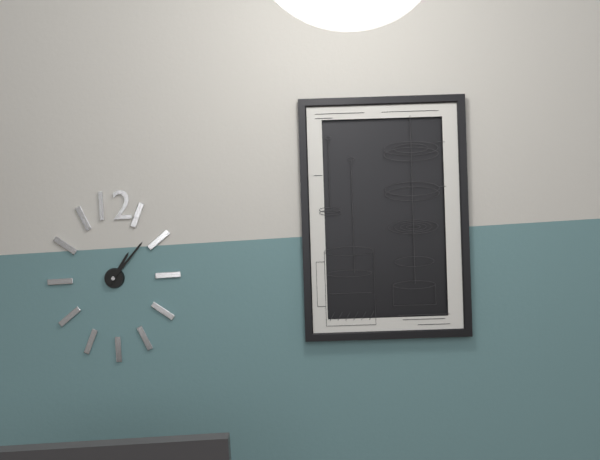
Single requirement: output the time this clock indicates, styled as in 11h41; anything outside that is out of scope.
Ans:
1h07
